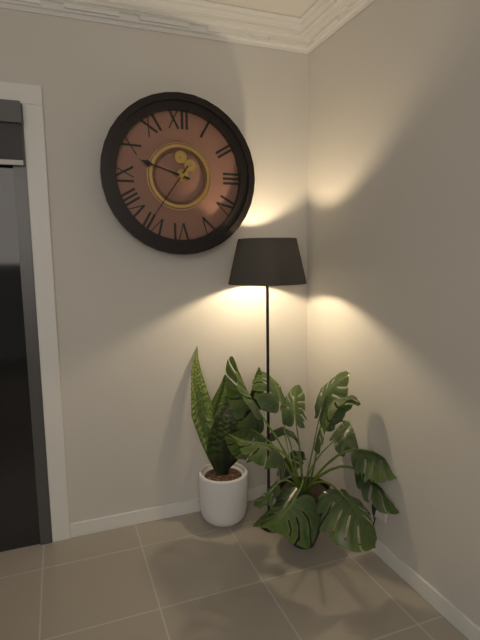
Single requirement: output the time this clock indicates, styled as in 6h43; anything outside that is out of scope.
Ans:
9h36
